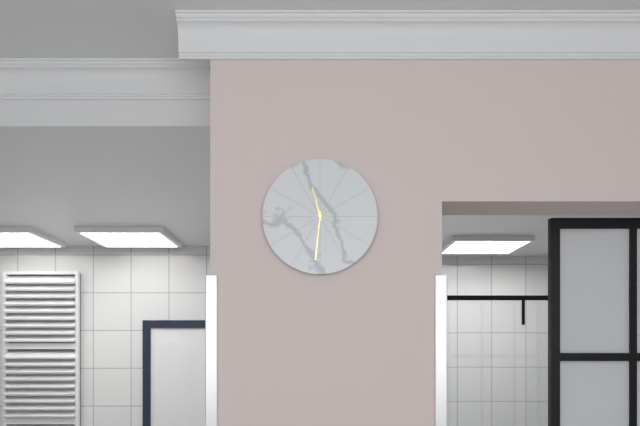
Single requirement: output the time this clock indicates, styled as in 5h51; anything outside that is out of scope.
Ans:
11h31
